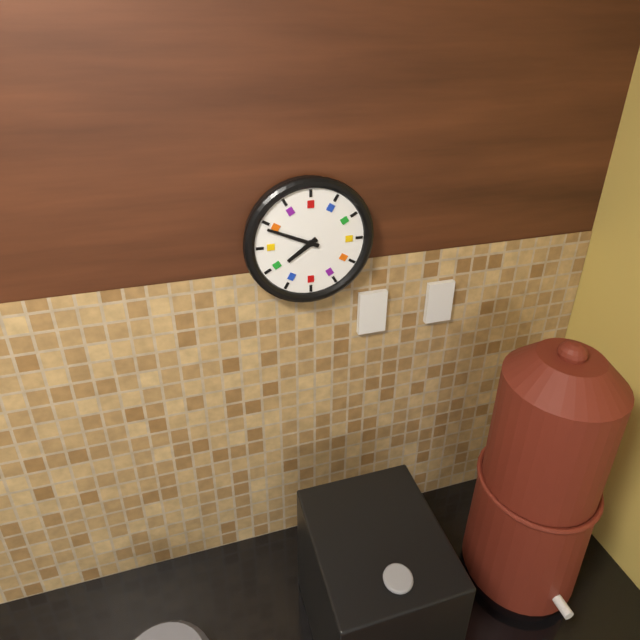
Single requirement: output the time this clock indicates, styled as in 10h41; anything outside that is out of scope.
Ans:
7h49
